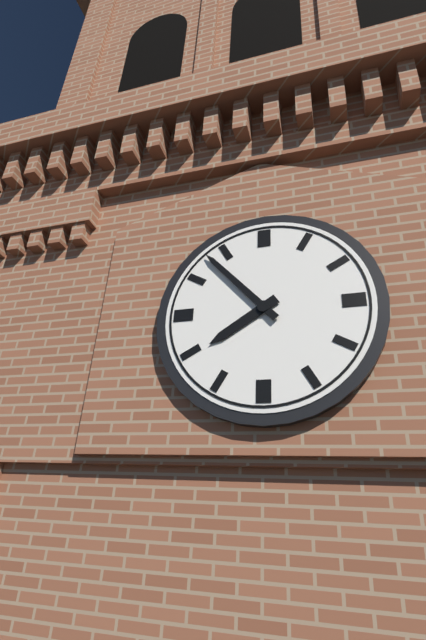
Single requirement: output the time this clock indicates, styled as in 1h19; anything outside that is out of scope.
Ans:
7h53
